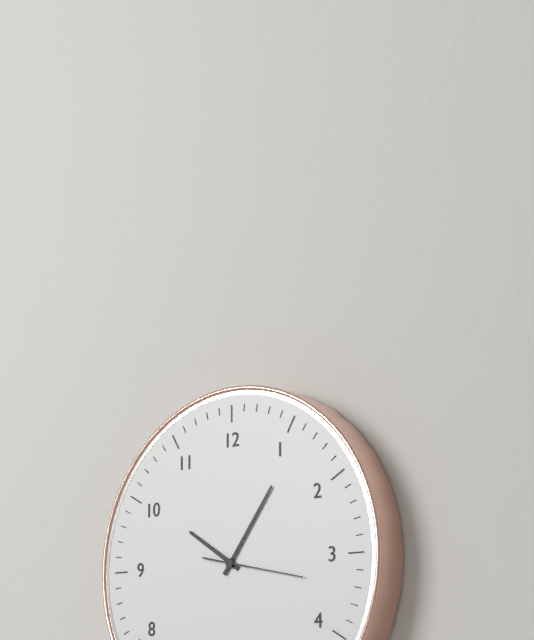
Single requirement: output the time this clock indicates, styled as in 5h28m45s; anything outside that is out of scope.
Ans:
10h06m17s
